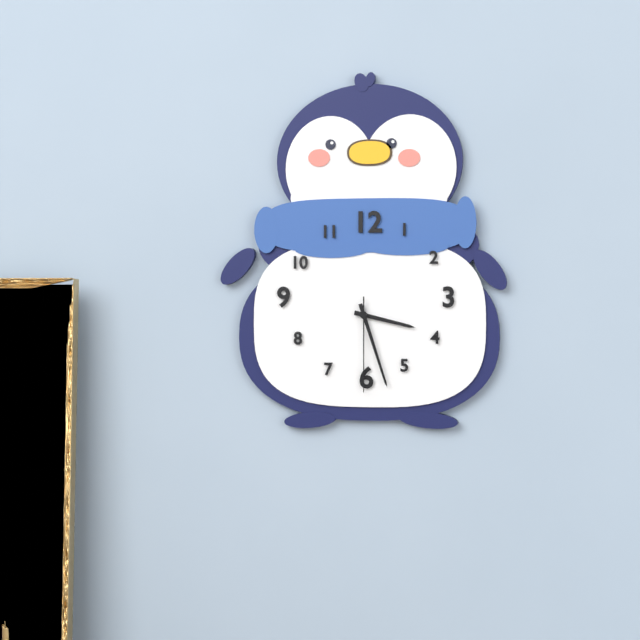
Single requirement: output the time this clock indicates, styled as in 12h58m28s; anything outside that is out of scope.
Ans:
3h27m30s
